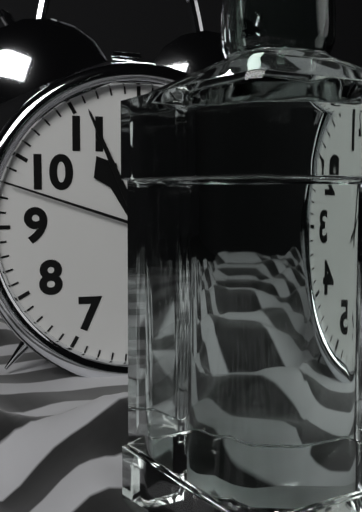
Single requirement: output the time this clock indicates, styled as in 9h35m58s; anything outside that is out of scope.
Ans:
10h56m48s
